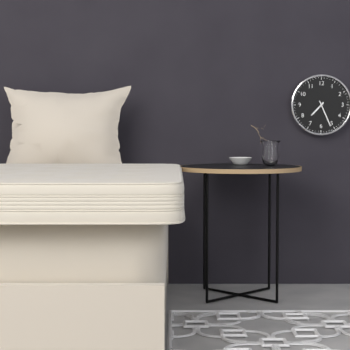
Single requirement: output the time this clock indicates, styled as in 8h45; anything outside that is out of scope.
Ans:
7h26
